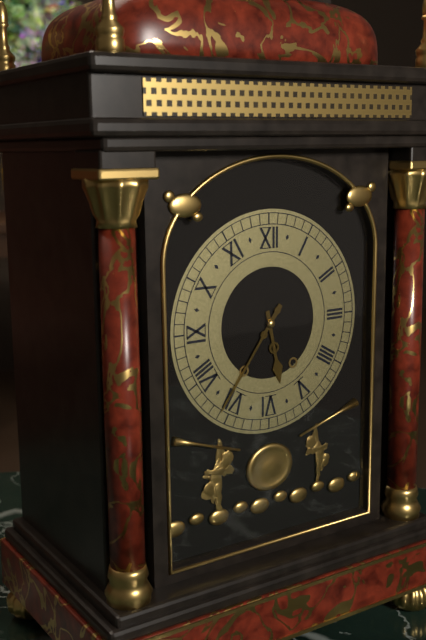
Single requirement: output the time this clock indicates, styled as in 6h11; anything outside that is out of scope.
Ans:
5h36
